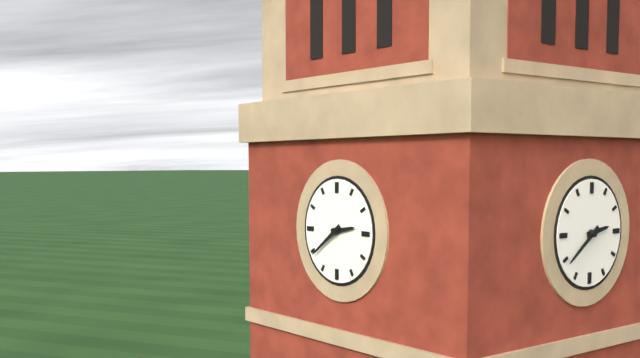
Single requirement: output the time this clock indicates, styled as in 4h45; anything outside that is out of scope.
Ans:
2h39
